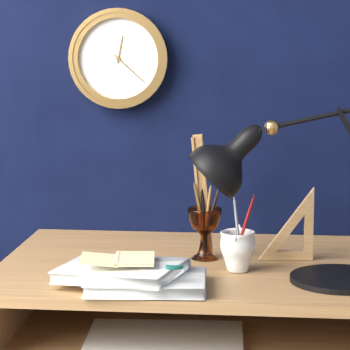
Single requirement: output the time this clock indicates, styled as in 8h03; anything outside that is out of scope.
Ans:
12h22
